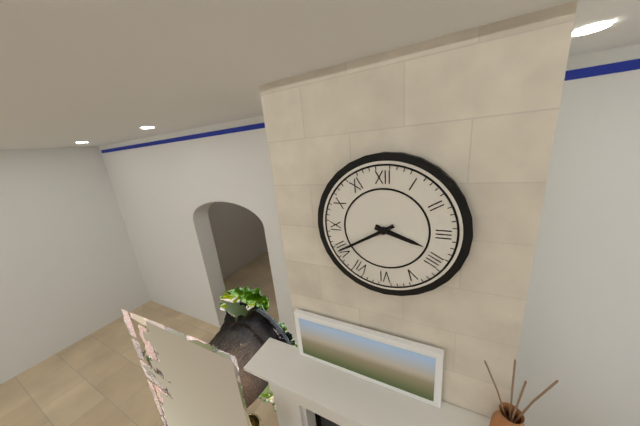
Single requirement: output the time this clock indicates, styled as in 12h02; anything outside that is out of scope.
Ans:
3h40
